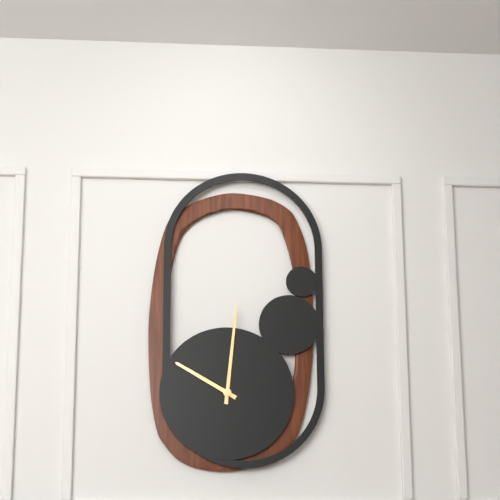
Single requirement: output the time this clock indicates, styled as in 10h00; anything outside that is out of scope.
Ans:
10h01
